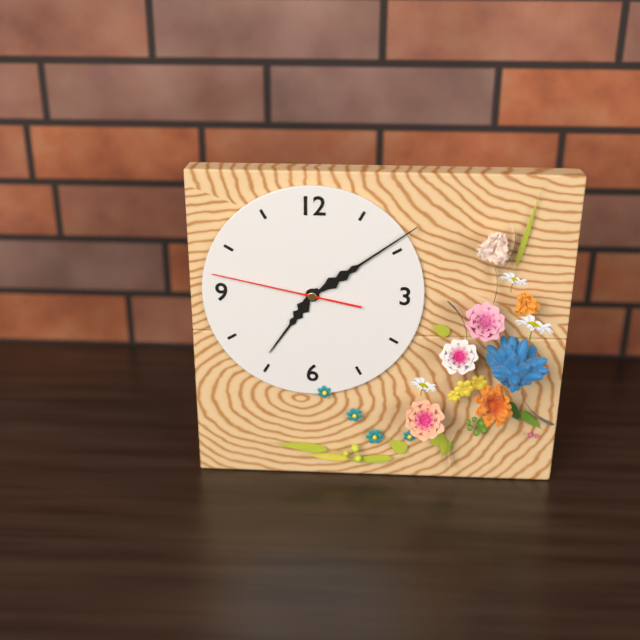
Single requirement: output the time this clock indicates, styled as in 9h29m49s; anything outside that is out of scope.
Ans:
7h09m47s
